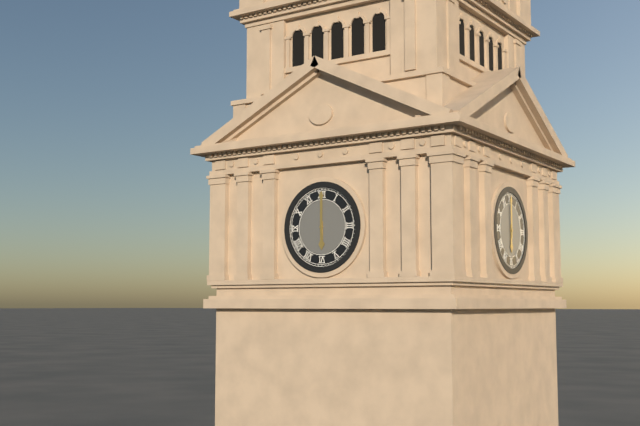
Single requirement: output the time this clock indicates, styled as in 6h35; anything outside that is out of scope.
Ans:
6h00
